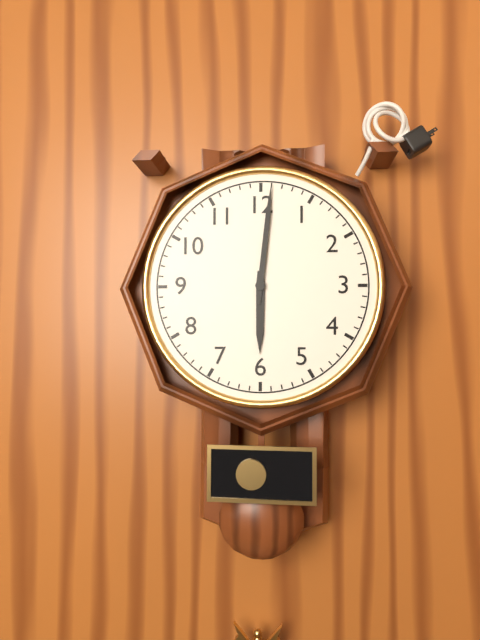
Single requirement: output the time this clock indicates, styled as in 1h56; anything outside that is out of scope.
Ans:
6h01
